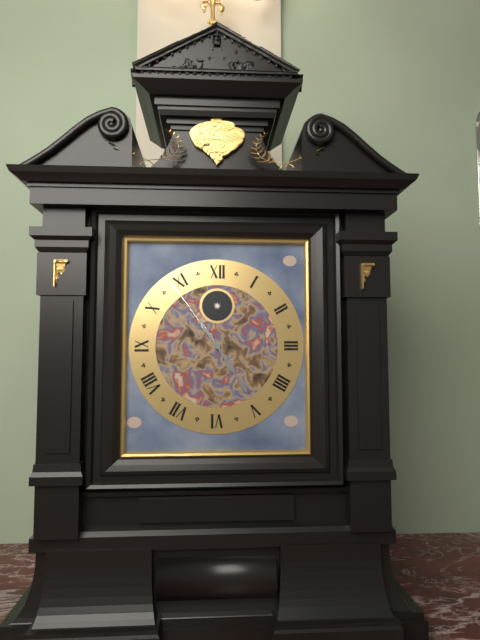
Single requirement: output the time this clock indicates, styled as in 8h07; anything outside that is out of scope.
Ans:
4h54
